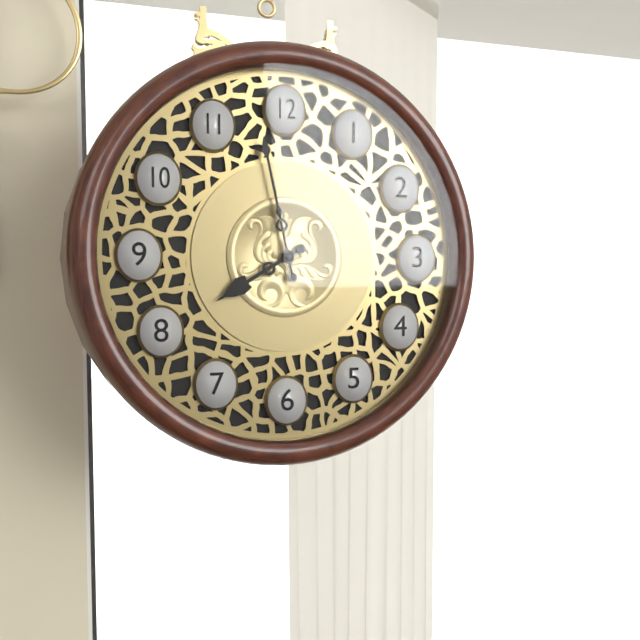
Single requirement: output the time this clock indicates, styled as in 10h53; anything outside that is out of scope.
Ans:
7h58
